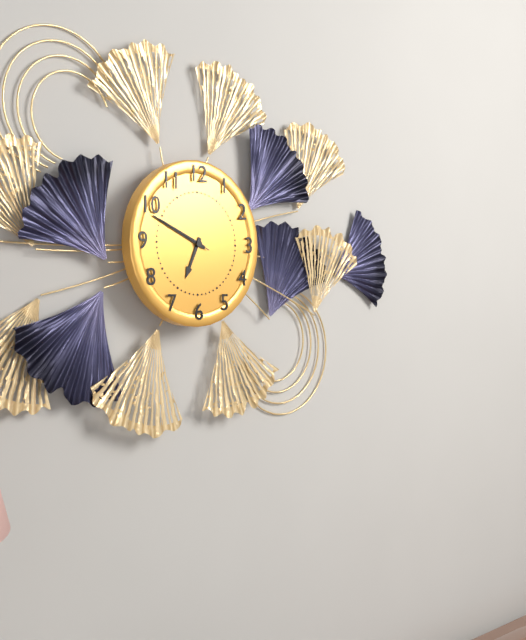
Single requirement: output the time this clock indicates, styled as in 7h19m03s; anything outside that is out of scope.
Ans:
6h49m49s
